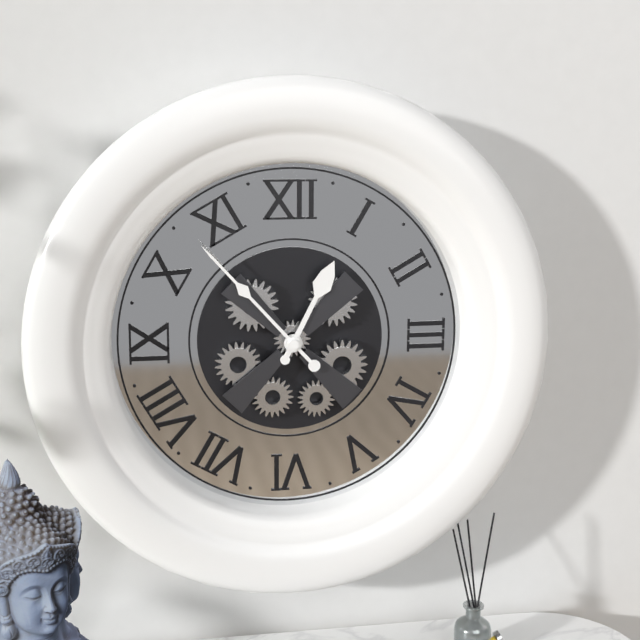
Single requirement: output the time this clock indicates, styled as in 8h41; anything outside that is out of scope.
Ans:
12h53
